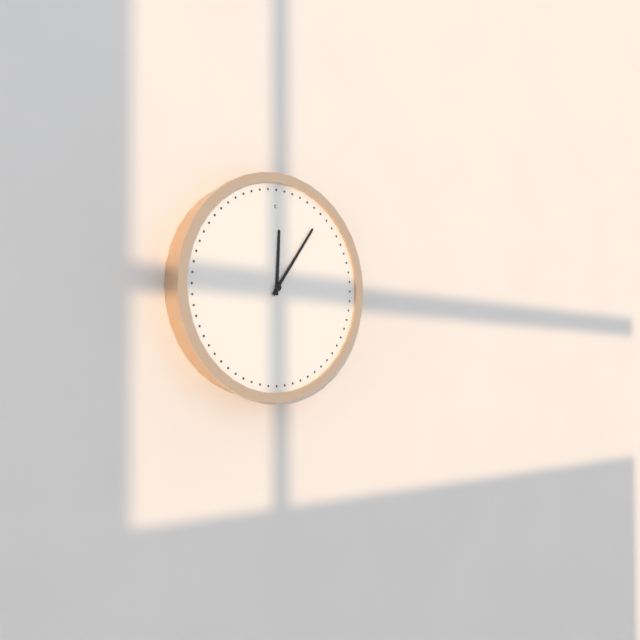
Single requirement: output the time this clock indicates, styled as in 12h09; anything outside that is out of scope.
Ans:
12h06
